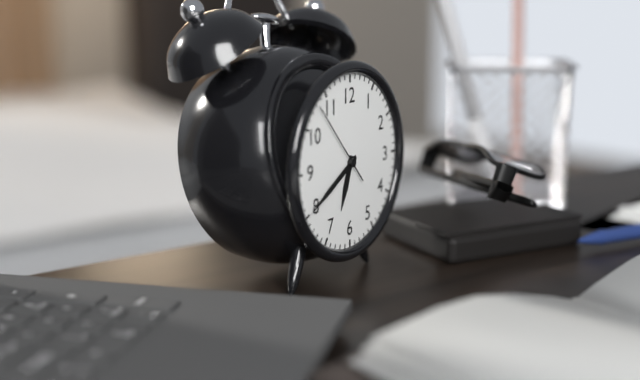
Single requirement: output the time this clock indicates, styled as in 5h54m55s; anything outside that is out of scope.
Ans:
6h40m53s
